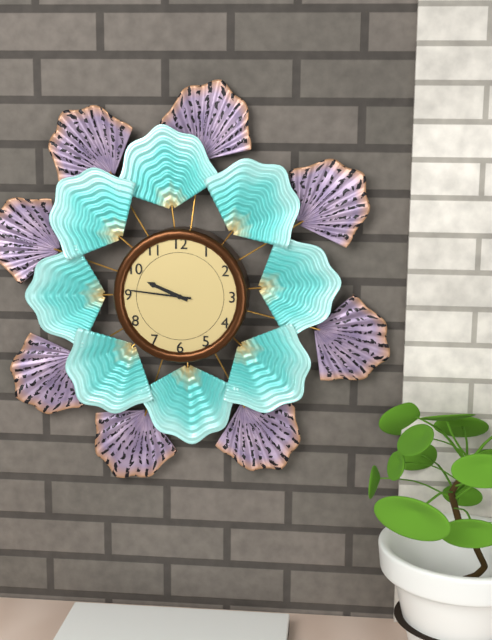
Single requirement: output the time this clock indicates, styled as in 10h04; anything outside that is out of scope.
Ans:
9h46
